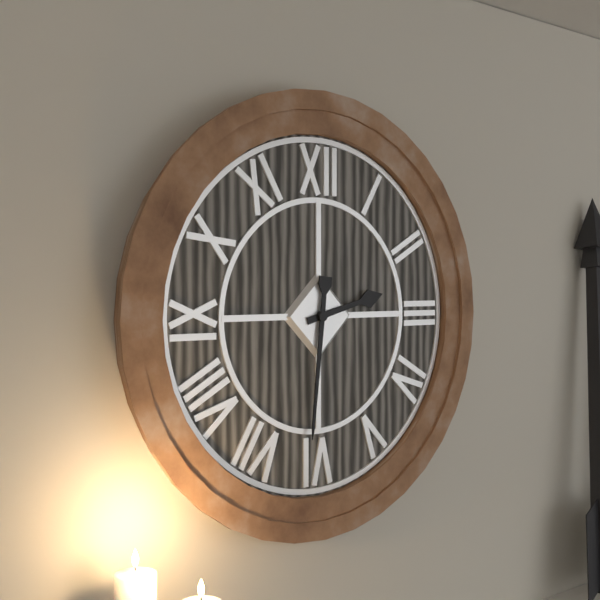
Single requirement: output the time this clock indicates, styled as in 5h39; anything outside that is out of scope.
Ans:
2h31
